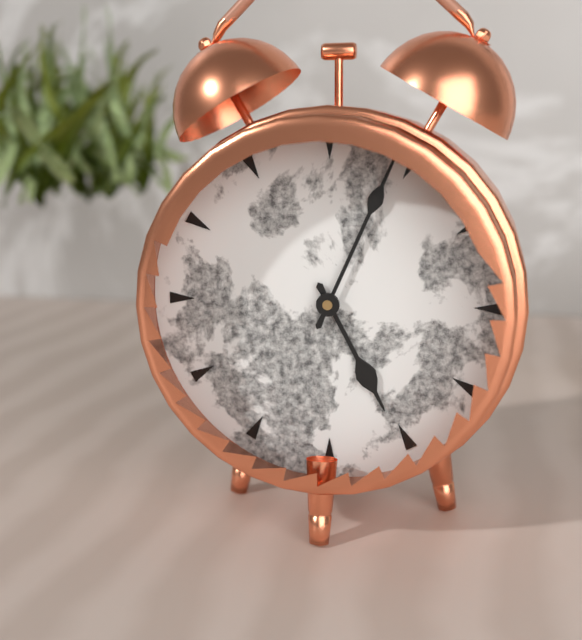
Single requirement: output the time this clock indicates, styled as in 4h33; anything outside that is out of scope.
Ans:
5h04
